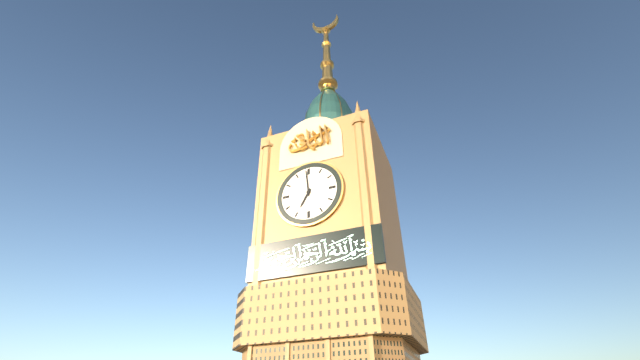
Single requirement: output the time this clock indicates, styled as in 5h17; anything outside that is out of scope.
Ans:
6h59
